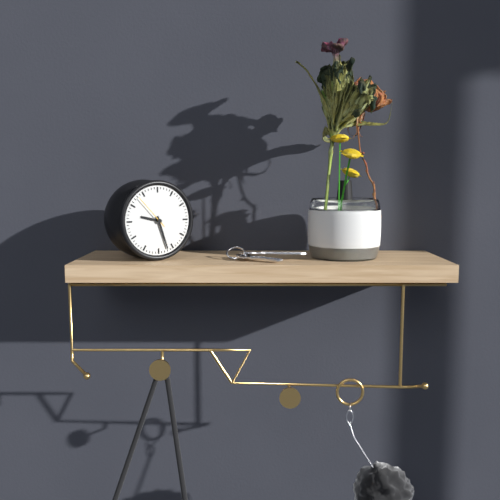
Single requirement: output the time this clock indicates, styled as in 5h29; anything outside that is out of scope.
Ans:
9h27
